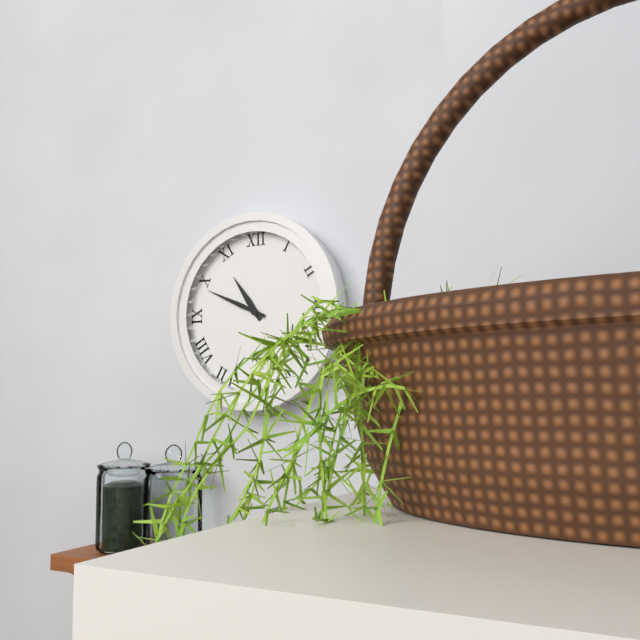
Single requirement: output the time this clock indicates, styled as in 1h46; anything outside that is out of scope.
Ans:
10h49
